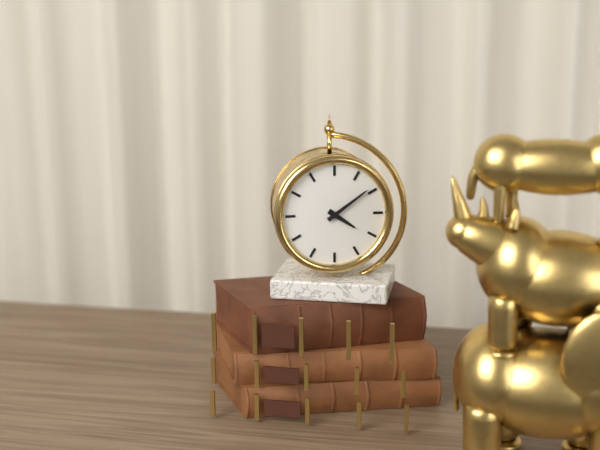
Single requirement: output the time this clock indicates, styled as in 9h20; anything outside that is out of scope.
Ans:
4h09
